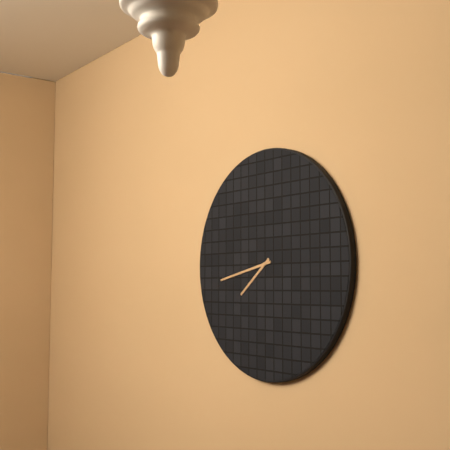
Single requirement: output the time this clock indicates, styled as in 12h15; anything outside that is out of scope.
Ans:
7h43
